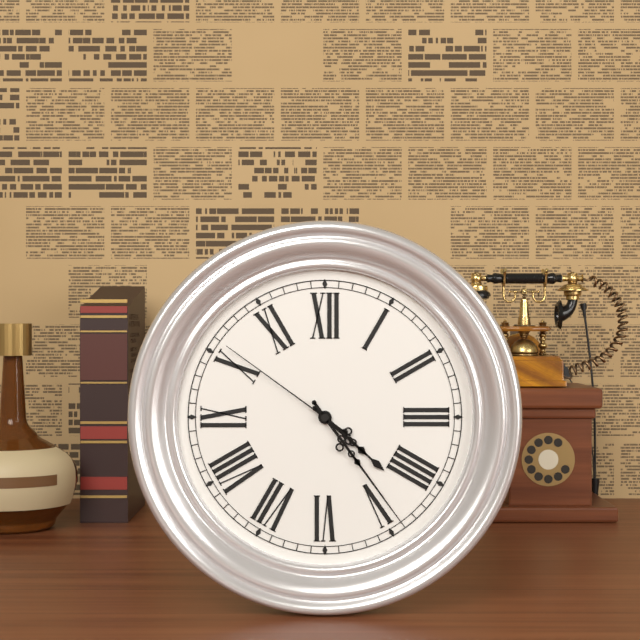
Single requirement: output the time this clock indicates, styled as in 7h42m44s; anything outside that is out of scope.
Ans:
4h24m51s
